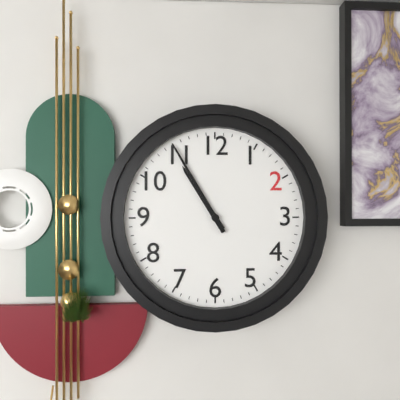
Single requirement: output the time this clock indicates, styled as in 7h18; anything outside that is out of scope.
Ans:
10h55
